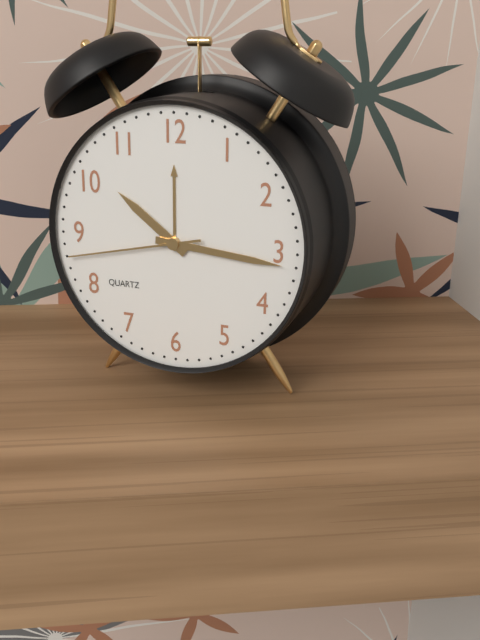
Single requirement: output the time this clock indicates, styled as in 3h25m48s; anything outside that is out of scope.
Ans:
10h16m43s
